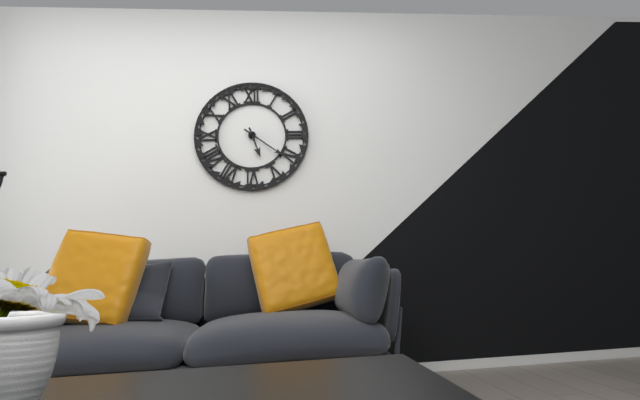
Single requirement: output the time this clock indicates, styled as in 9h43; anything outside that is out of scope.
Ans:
5h21
